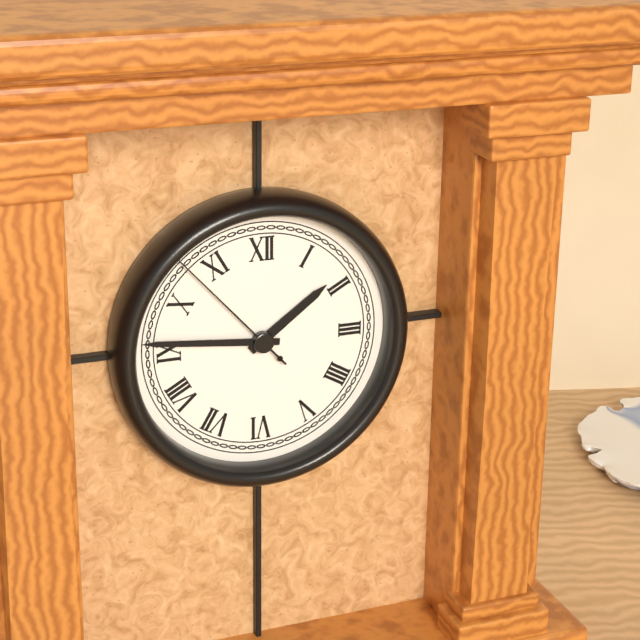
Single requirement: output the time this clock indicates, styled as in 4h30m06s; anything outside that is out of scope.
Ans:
1h46m53s
